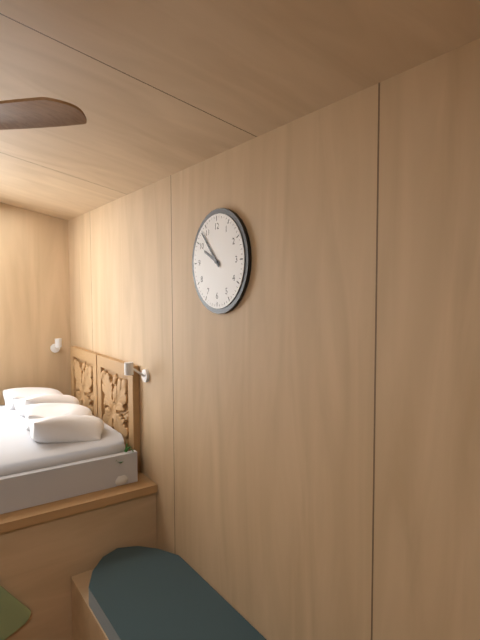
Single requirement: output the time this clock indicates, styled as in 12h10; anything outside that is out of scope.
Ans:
9h53
